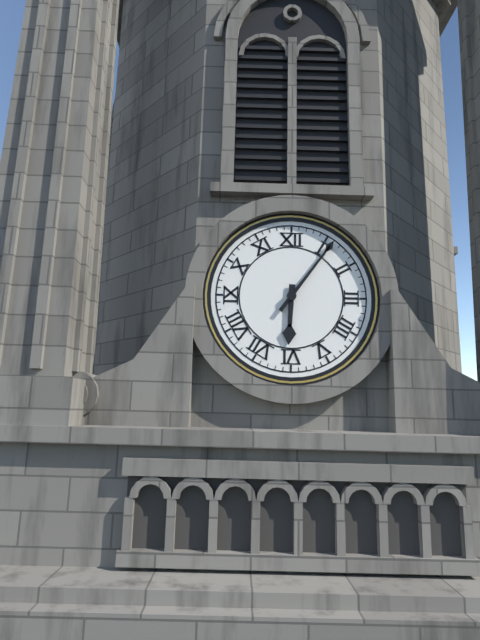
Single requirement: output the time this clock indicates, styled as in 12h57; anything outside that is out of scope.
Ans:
6h06
